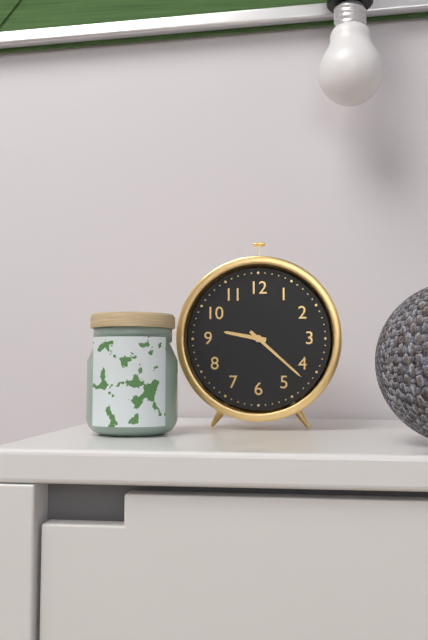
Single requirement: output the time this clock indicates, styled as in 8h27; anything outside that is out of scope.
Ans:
9h22
